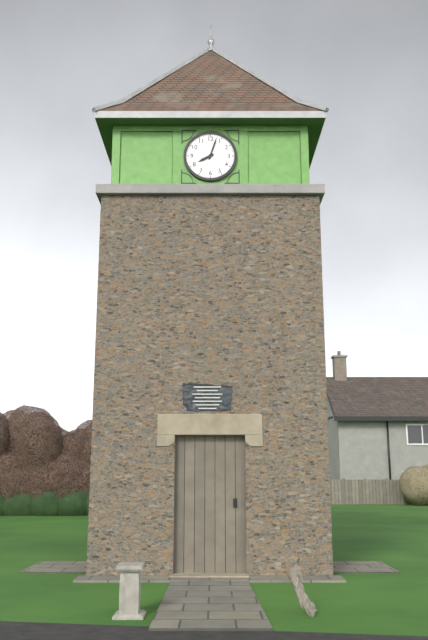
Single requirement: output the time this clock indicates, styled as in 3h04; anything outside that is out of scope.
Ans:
8h03
